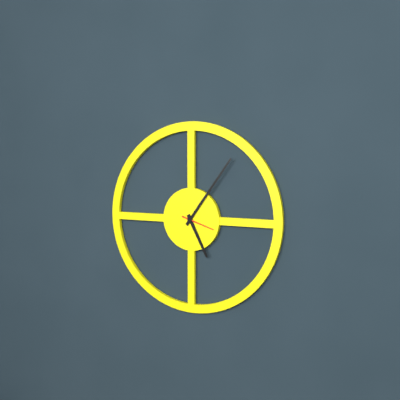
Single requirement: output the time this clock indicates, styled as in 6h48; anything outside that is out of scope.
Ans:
5h06
